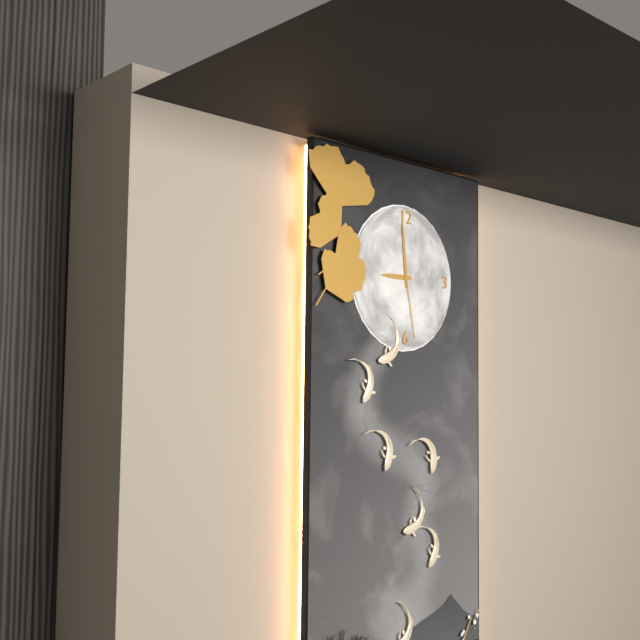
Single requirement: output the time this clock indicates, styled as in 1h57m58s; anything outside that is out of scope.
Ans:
8h59m28s
